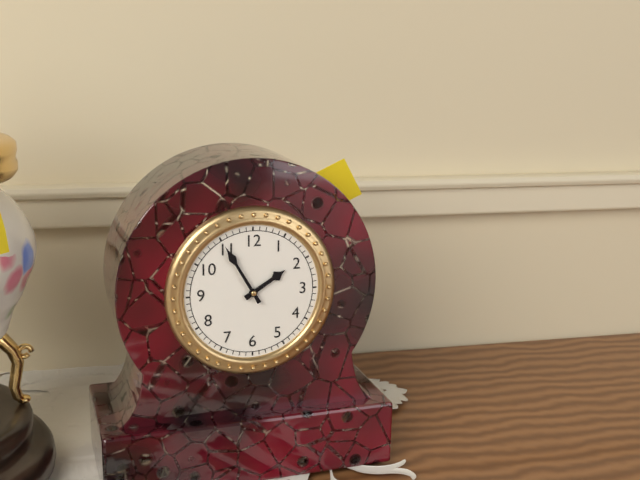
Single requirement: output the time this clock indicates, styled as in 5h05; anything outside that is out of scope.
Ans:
1h55
